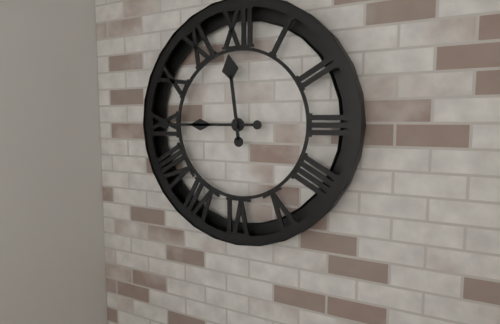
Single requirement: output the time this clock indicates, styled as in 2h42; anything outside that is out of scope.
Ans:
11h45
